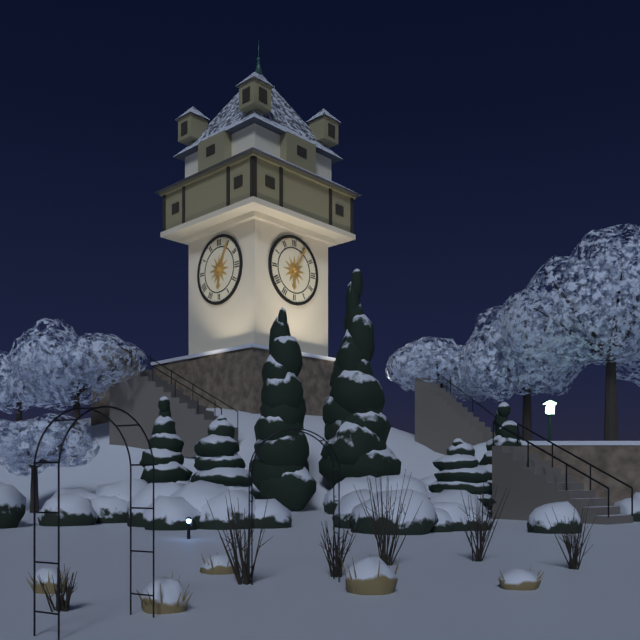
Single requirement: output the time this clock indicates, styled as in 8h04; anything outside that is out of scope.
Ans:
6h05
